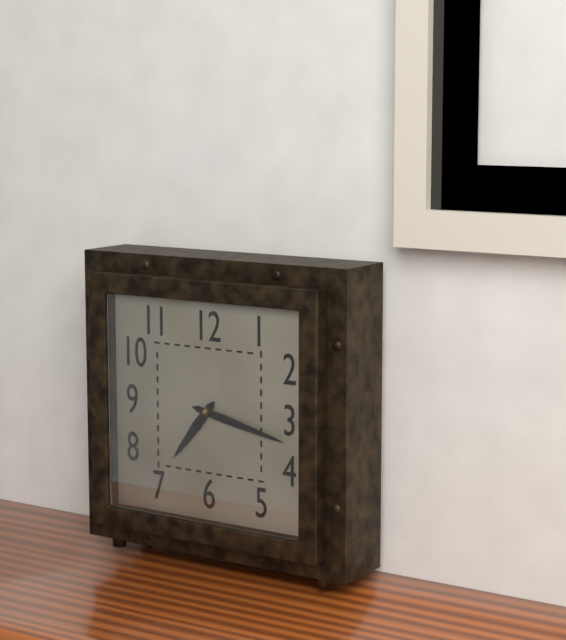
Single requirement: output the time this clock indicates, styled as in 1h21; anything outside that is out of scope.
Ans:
7h17
